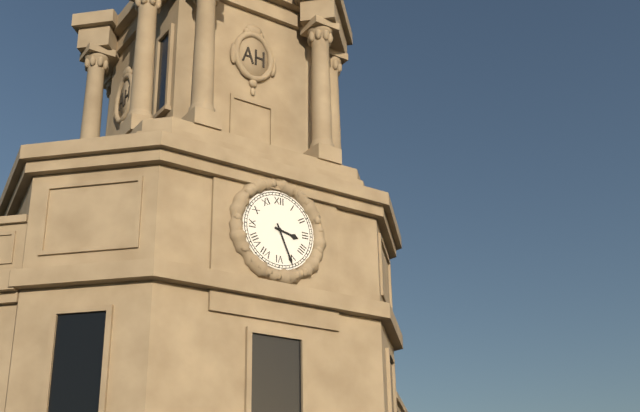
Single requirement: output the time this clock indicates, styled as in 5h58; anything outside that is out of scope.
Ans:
3h26
